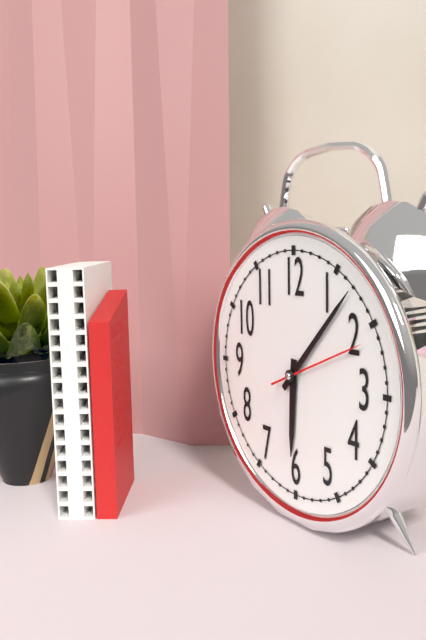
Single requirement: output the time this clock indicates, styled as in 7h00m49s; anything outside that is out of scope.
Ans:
6h07m11s
